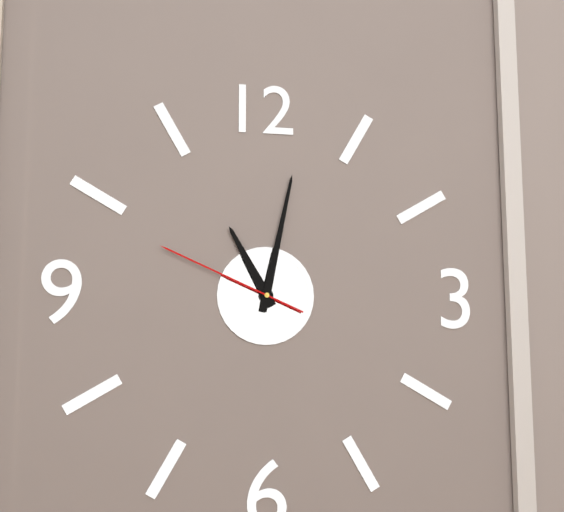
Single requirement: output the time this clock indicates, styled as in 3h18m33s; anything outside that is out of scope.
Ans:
11h02m49s
